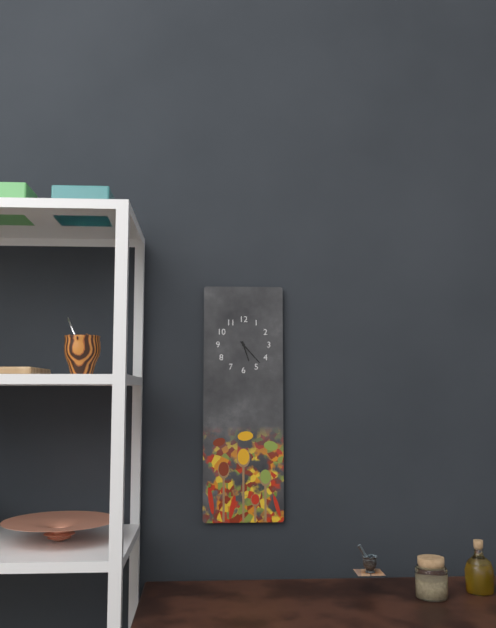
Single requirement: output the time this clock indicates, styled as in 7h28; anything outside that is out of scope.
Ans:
5h23
